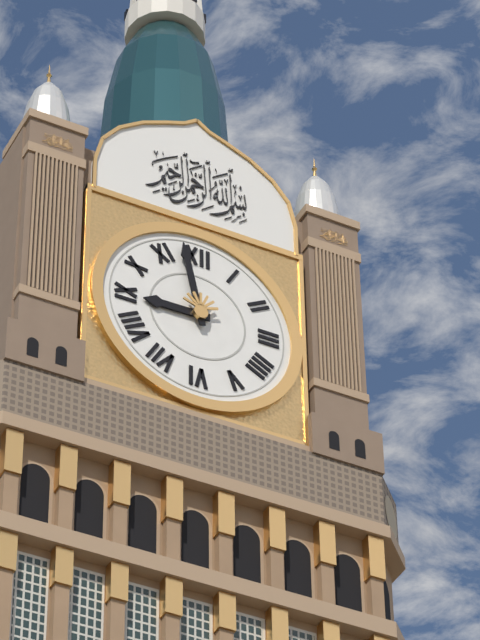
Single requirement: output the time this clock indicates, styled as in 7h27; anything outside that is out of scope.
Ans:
8h58
